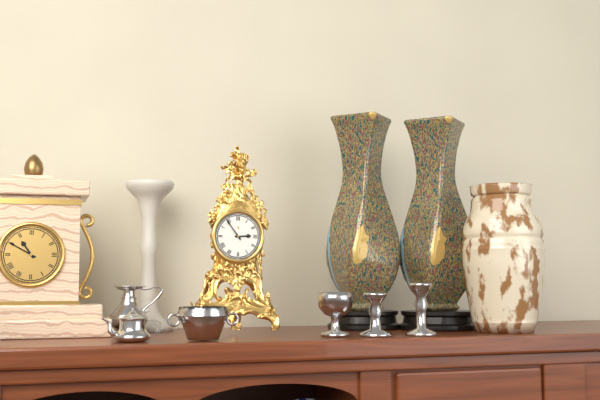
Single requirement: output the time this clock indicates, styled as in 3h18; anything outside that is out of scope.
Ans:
2h54
